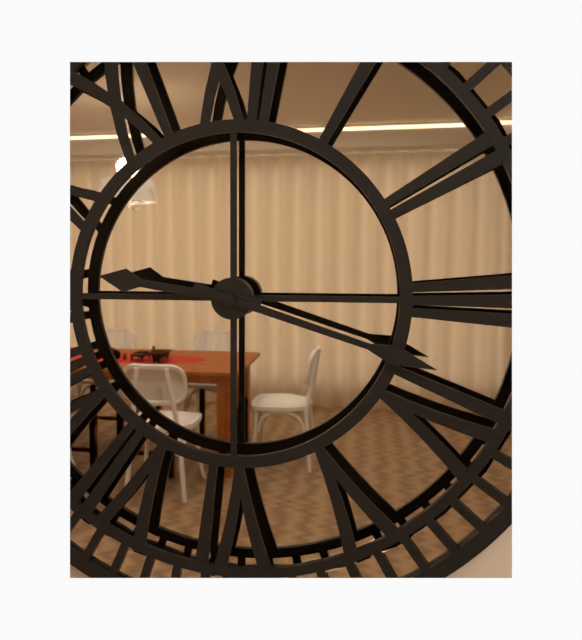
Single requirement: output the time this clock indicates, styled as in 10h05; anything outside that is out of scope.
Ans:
9h18
